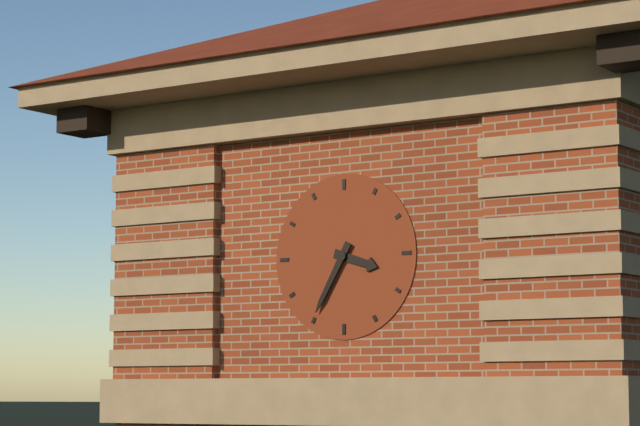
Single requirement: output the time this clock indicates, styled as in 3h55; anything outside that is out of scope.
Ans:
3h35
